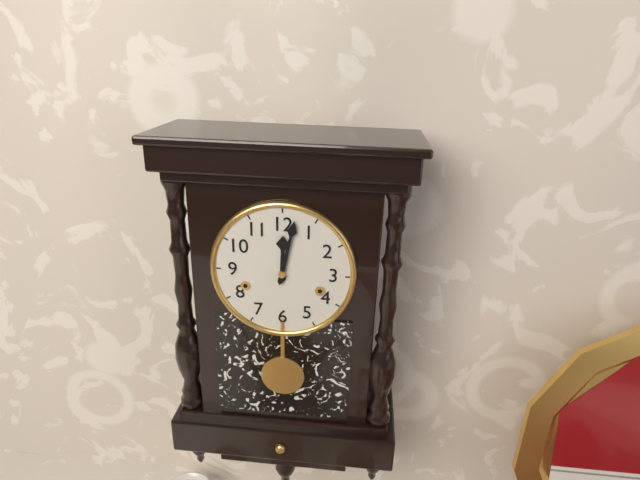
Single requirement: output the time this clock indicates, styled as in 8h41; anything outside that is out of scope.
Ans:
12h02
